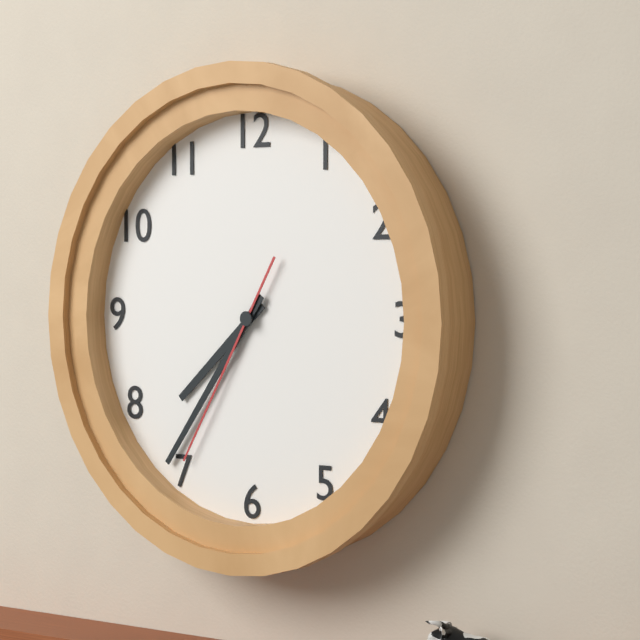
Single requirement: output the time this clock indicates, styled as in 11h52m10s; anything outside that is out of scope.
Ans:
7h36m35s
